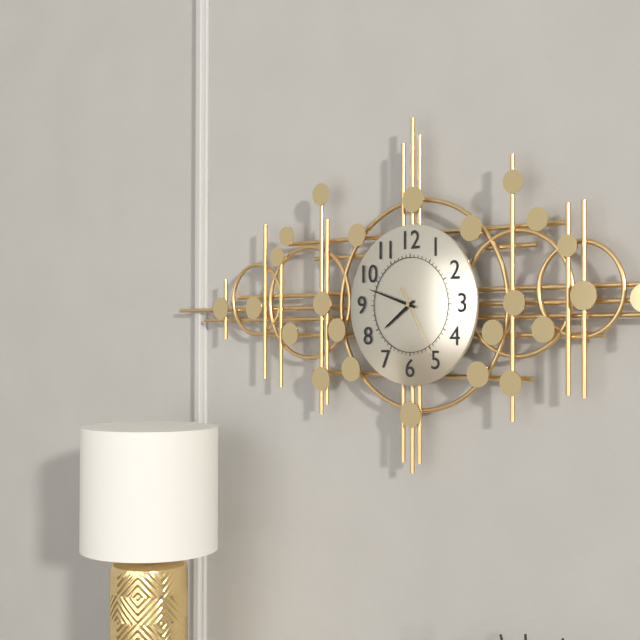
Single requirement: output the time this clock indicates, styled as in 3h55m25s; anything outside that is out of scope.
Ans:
7h48m25s
